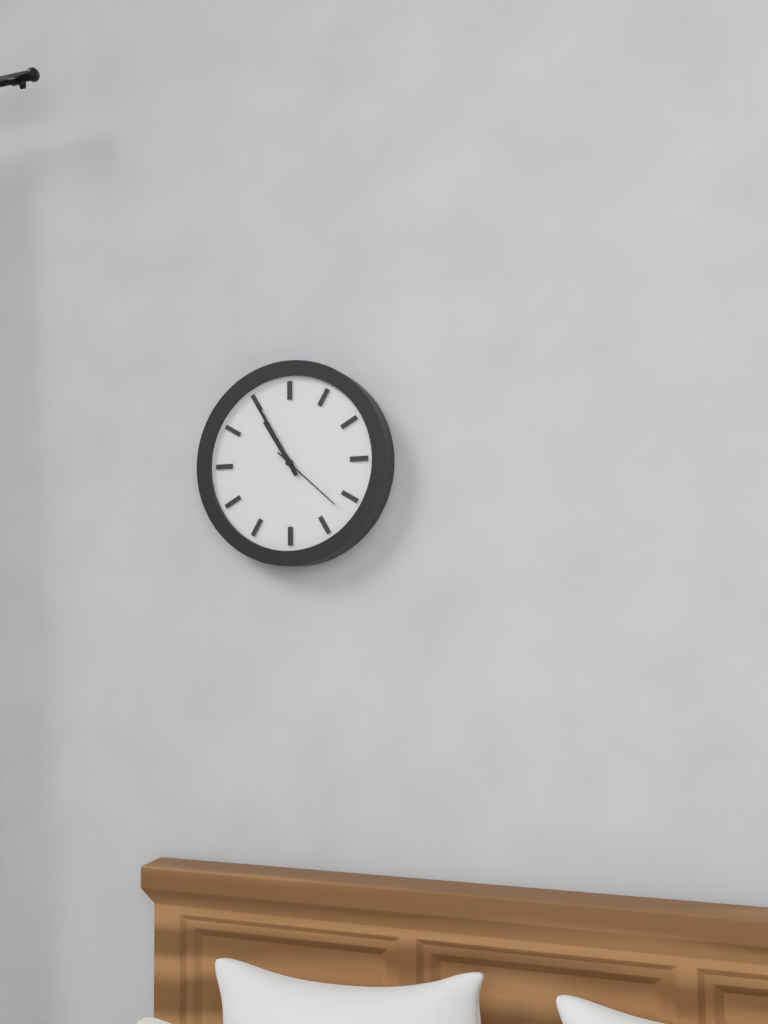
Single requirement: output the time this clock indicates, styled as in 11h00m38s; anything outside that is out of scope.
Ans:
10h55m22s
